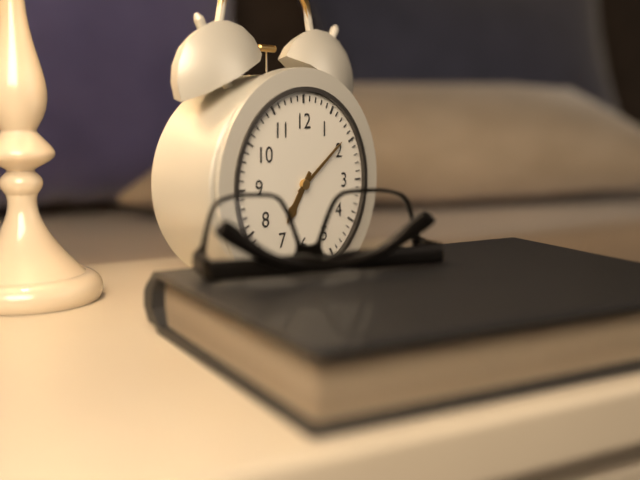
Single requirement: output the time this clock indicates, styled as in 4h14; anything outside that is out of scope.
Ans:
7h09
